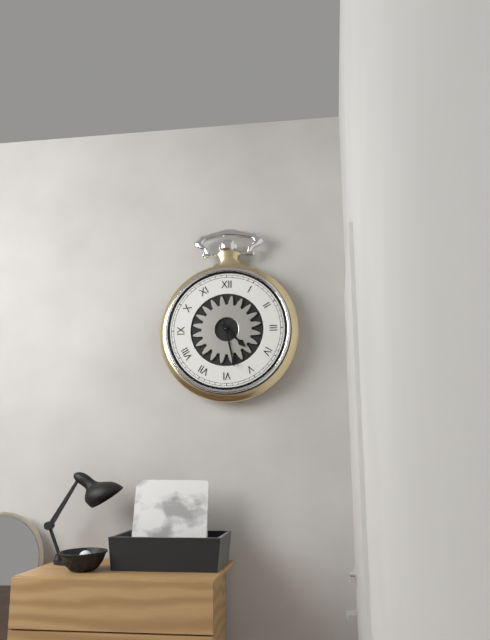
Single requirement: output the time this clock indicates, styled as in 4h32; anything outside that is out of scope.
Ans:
4h28
